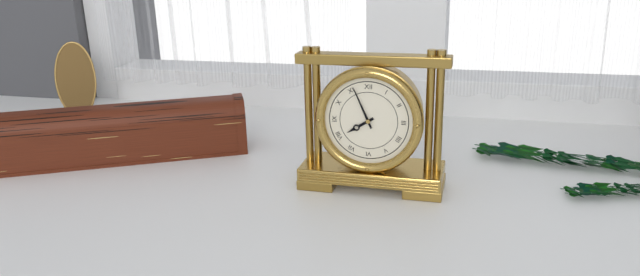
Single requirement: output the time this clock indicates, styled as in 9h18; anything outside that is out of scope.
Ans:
7h56
